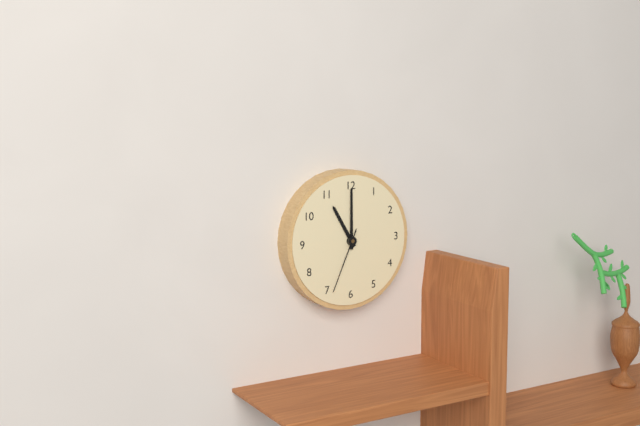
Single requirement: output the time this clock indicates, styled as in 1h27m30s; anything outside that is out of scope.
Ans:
11h00m34s
